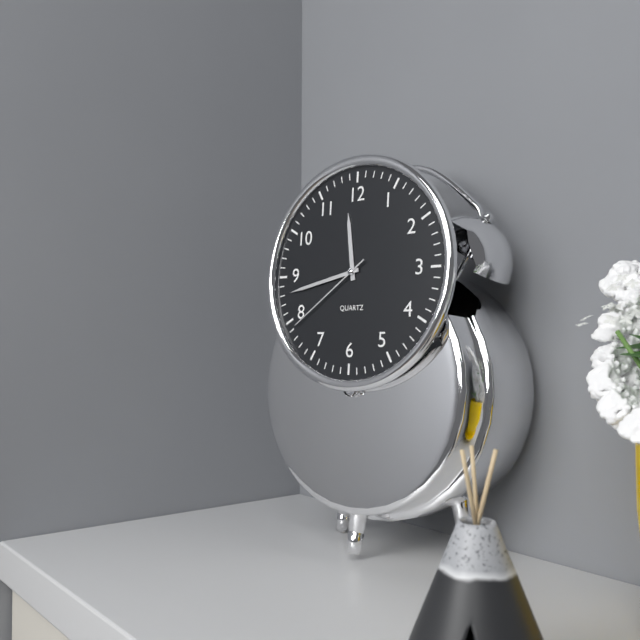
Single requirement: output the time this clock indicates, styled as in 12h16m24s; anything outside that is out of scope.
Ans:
11h43m39s
